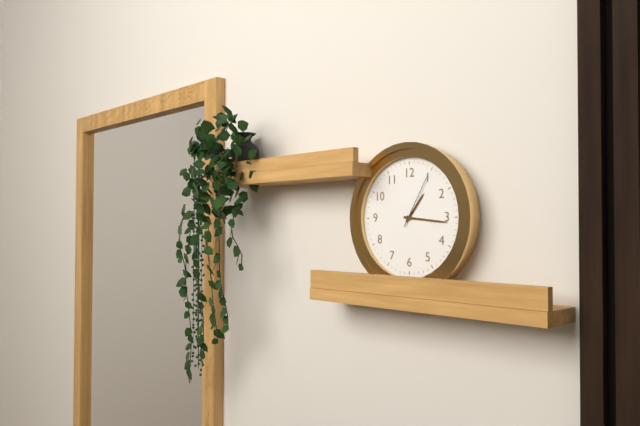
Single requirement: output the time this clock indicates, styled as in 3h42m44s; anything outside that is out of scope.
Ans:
1h16m05s
